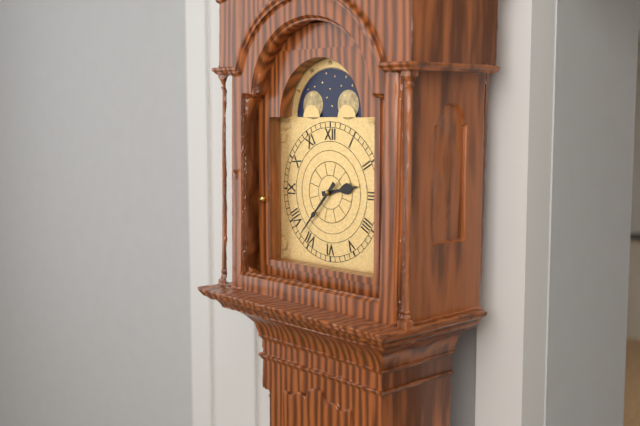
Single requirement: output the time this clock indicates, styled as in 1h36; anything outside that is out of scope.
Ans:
2h37
